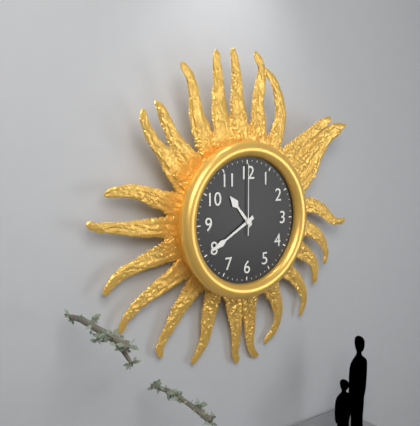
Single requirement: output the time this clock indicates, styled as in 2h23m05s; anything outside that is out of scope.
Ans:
10h40m00s
